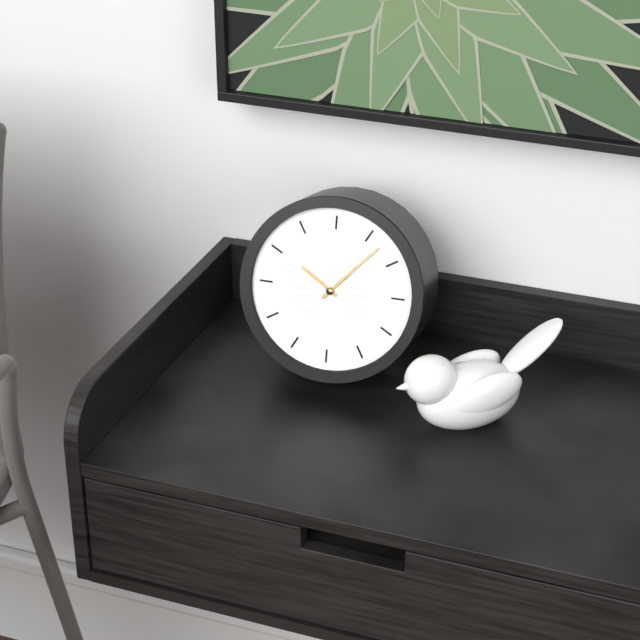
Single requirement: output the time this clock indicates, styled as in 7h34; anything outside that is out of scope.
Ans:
10h07
